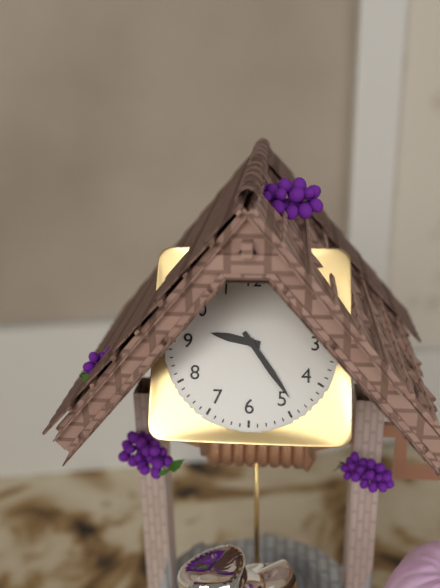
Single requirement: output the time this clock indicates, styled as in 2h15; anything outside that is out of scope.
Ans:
9h24
